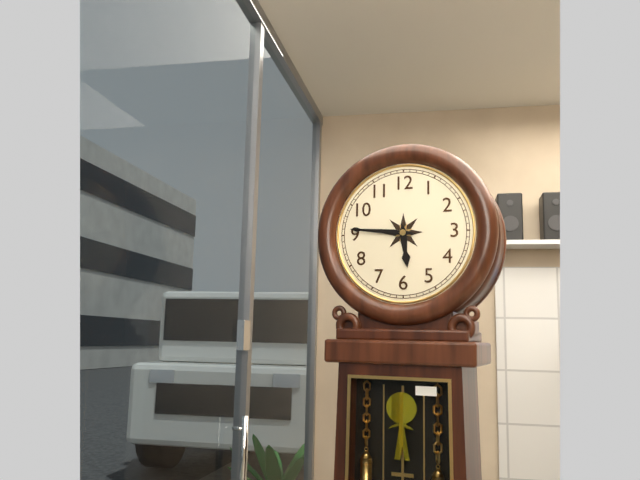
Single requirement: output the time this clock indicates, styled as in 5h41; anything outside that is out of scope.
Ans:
5h46
